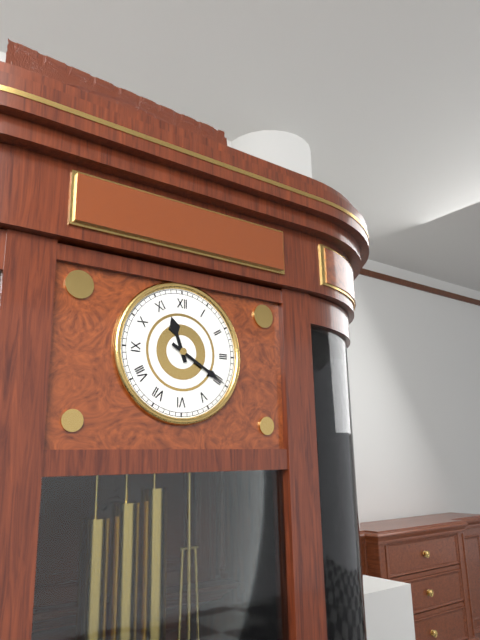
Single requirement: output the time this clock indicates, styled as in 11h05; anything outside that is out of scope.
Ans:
11h20
